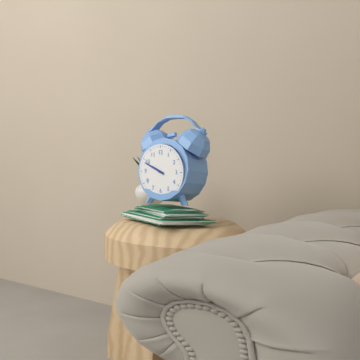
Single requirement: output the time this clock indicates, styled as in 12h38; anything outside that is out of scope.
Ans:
9h49
